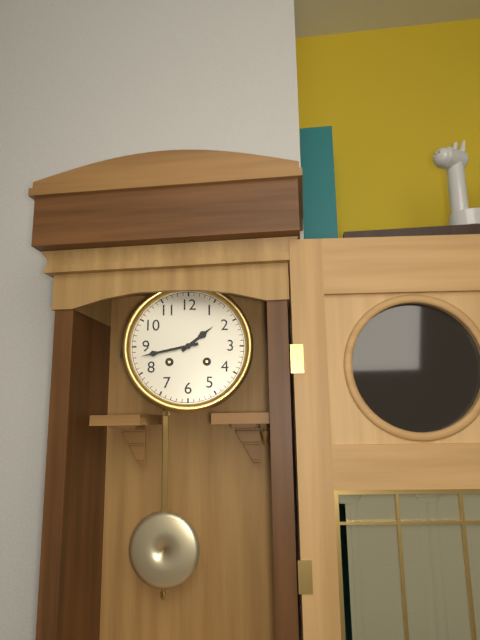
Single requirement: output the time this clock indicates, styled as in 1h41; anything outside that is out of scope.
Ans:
1h43
